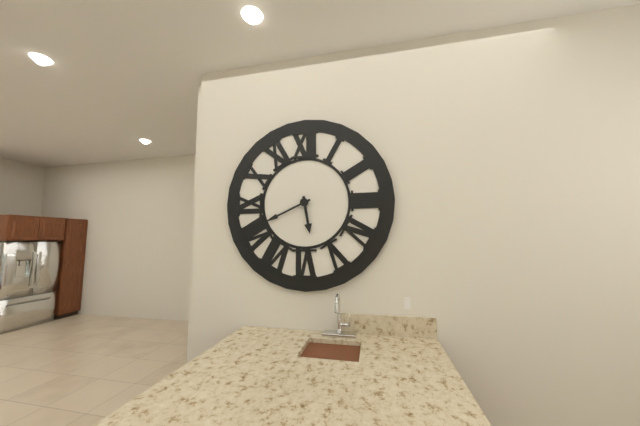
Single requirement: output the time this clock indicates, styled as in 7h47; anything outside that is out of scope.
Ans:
5h41
